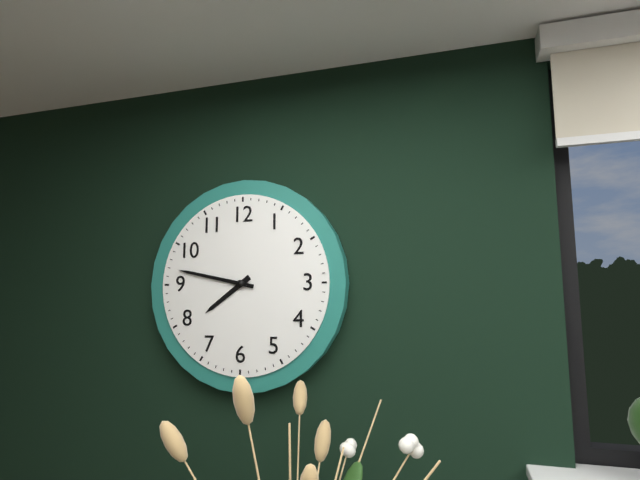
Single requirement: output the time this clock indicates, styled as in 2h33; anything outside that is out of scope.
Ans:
7h47
